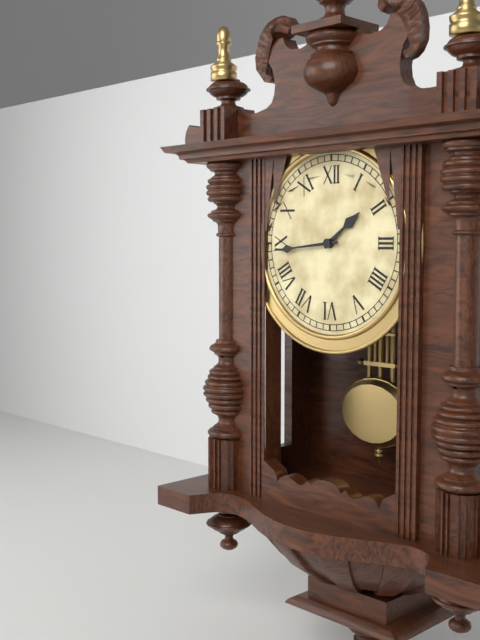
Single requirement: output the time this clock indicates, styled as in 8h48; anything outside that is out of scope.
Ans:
1h44
